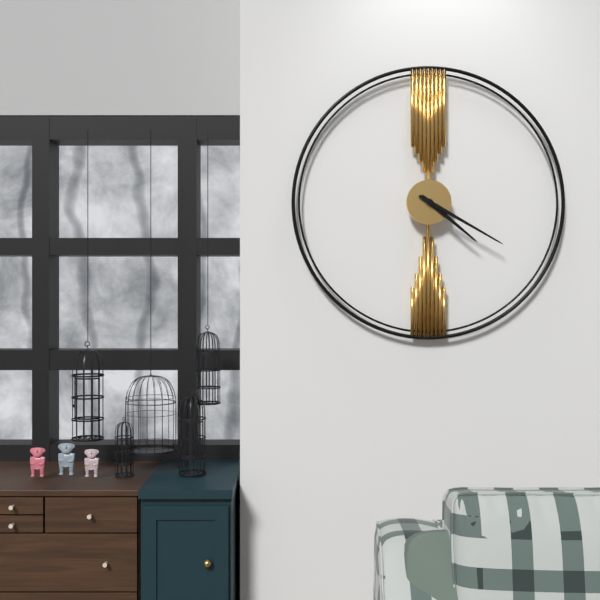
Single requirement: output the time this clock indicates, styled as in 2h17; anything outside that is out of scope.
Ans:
4h20
